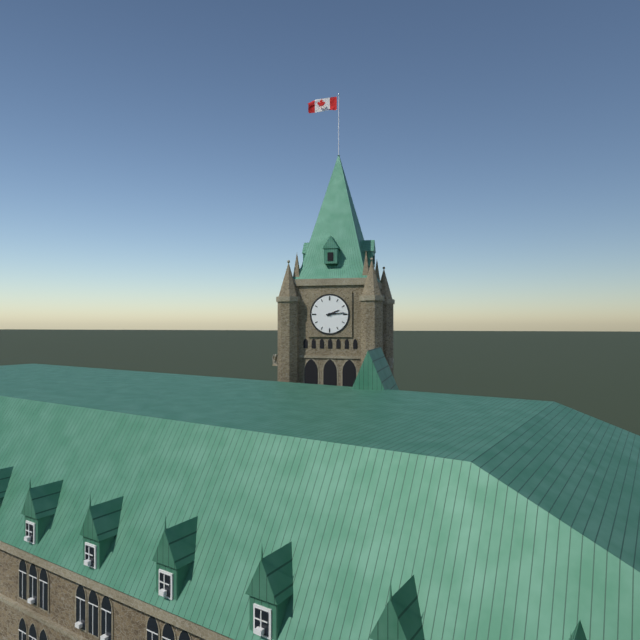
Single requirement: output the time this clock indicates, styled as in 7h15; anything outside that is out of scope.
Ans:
2h14
